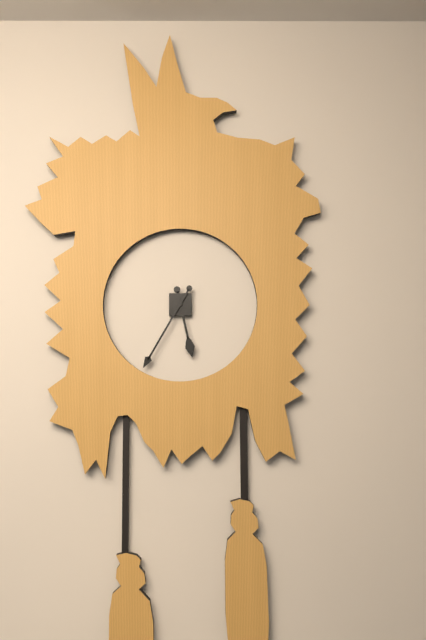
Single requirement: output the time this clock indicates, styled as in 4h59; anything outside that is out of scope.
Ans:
5h35
